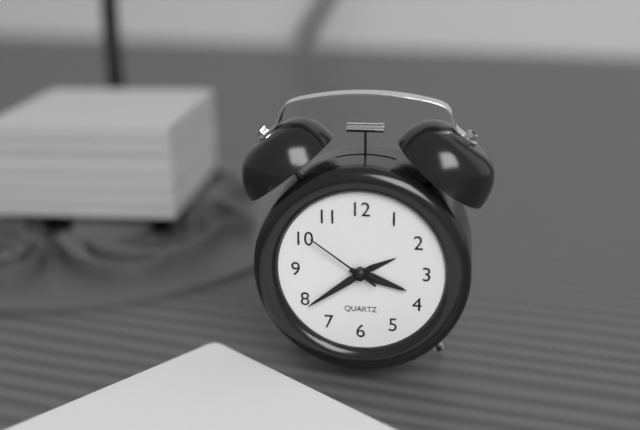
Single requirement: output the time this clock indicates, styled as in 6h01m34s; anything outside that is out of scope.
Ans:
3h39m51s
